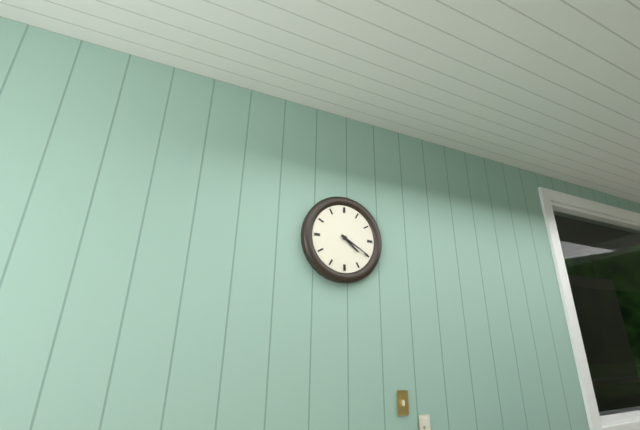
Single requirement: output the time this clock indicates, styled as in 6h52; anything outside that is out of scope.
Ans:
4h20
